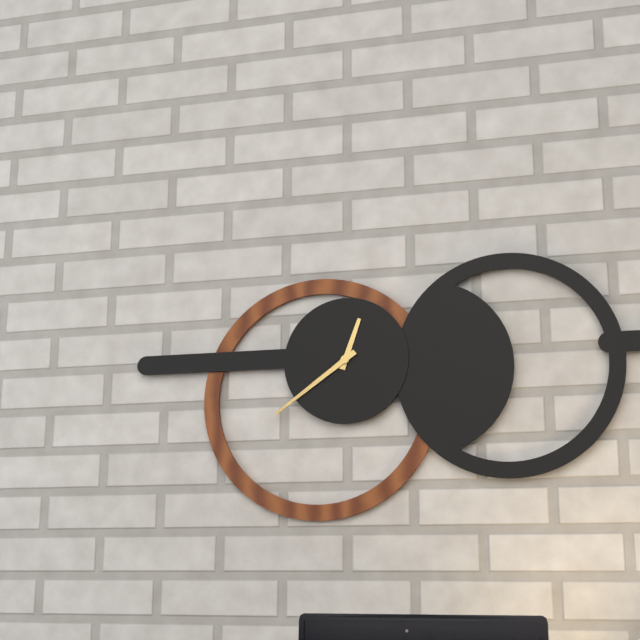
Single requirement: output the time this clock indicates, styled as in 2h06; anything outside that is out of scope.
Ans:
12h39
